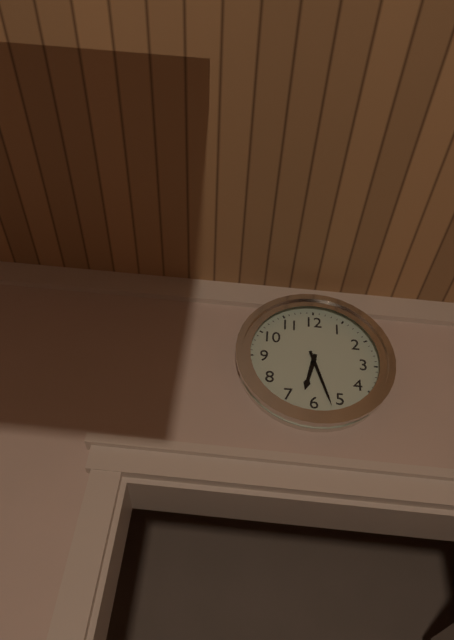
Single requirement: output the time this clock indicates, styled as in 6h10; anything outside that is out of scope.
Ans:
6h27
